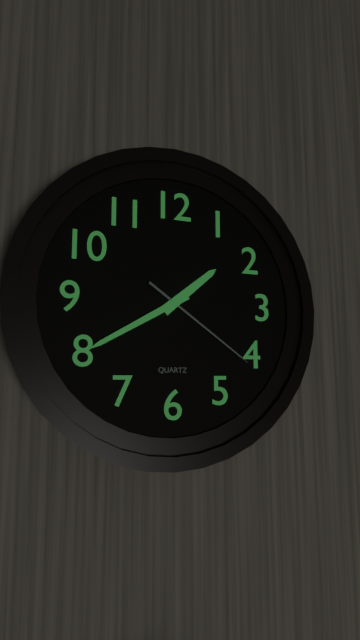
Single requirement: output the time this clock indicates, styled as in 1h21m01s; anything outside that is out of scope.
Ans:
1h40m21s
